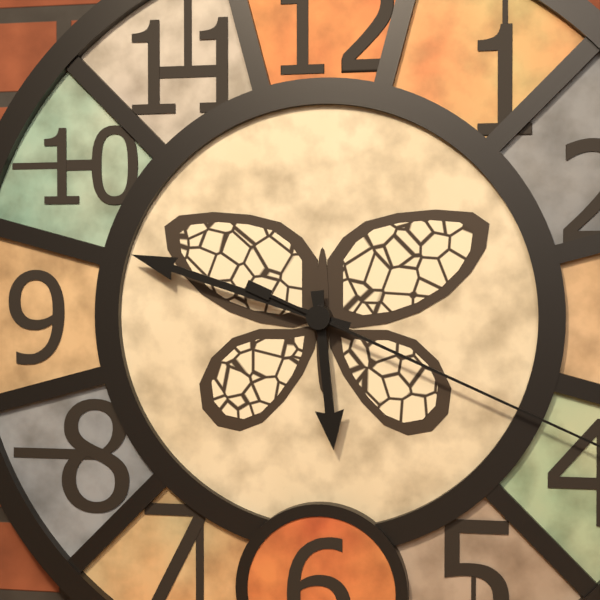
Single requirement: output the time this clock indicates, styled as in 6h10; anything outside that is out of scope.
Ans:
5h48
